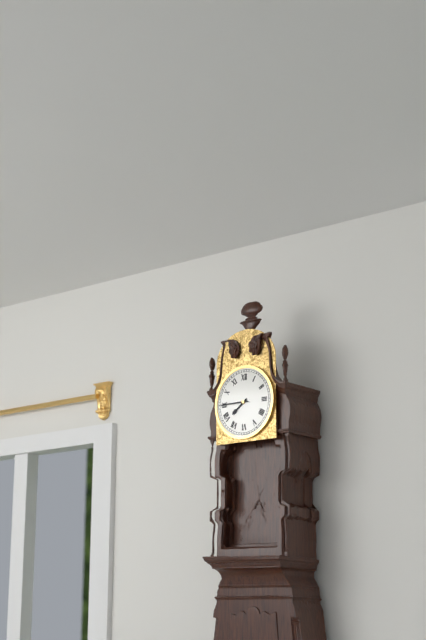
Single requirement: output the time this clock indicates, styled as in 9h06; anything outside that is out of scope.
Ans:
7h45
